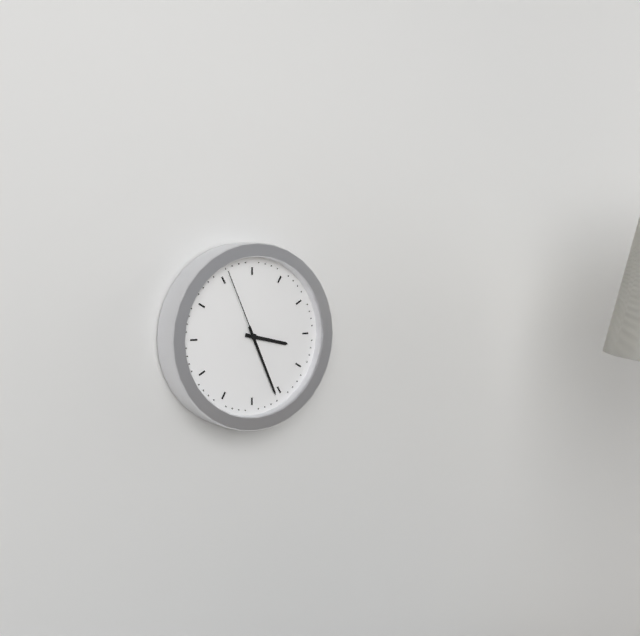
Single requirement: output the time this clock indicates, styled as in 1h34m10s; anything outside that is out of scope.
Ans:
3h26m56s
